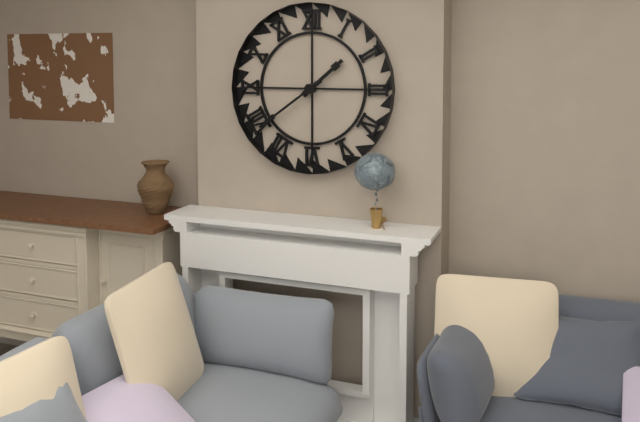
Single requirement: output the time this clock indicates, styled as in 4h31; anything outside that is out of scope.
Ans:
1h39
